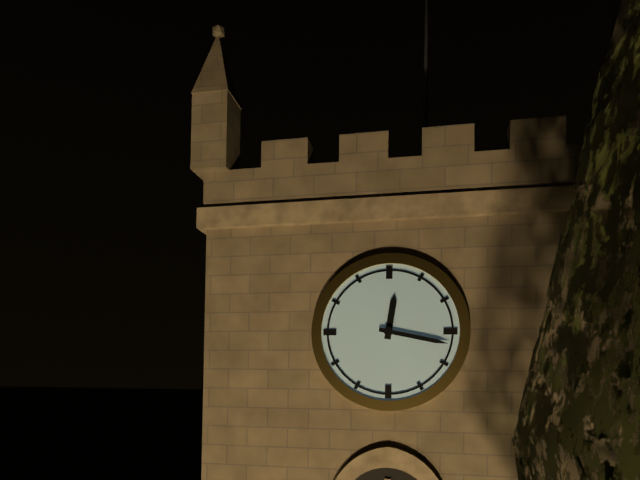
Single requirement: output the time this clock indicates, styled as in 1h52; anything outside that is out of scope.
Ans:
12h17
